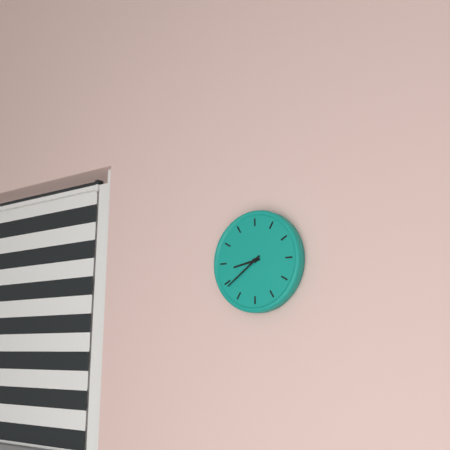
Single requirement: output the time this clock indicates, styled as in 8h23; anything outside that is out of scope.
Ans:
8h39
